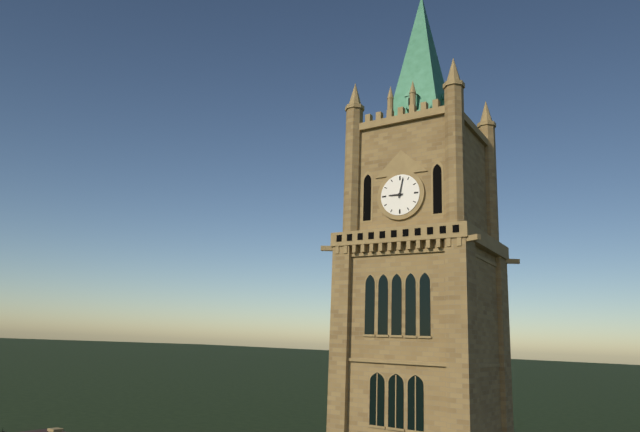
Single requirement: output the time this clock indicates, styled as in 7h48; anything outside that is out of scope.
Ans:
9h02
